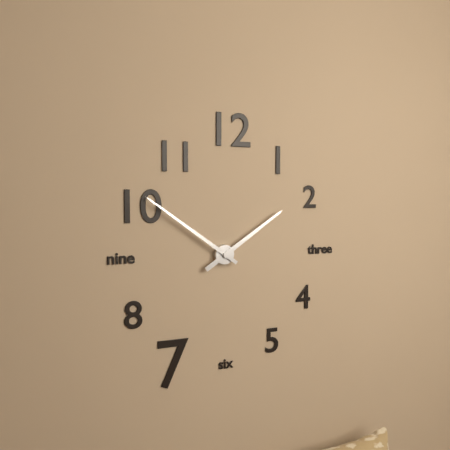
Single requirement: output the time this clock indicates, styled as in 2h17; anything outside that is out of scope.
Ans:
1h51
